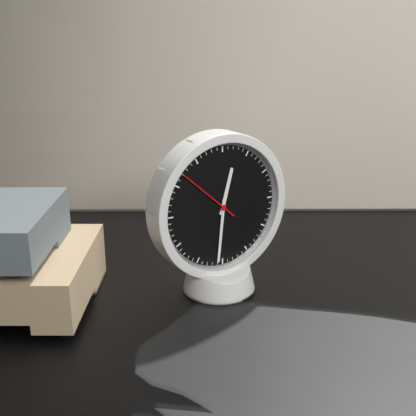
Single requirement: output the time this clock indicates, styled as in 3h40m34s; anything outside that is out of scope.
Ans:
12h31m52s
